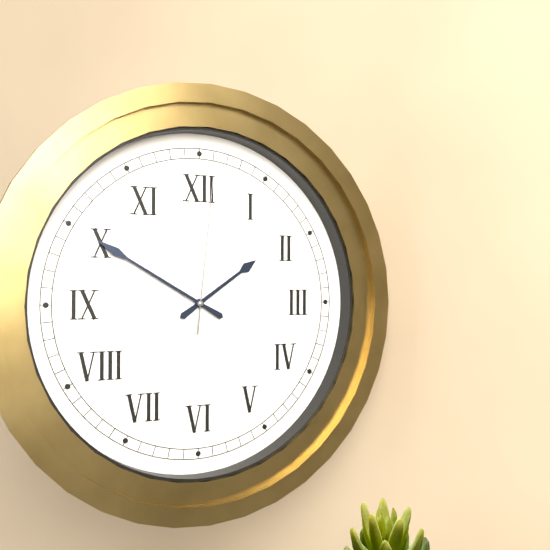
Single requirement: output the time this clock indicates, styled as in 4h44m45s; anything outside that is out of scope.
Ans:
1h50m01s
